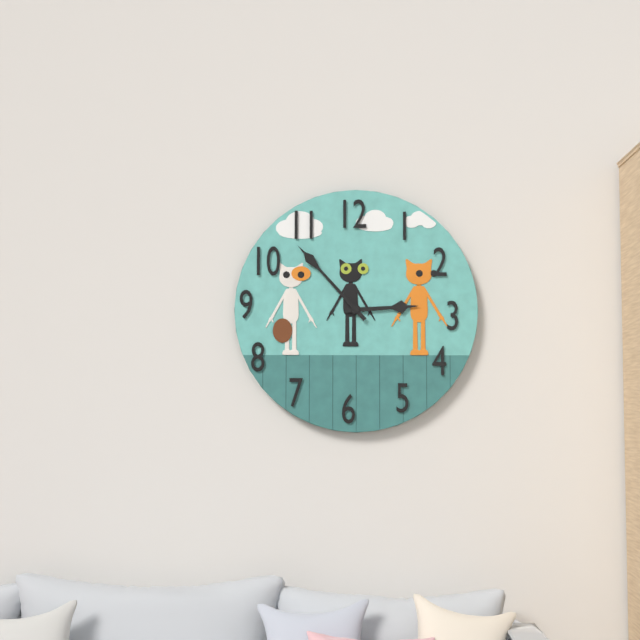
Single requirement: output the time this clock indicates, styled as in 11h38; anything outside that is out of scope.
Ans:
2h53
